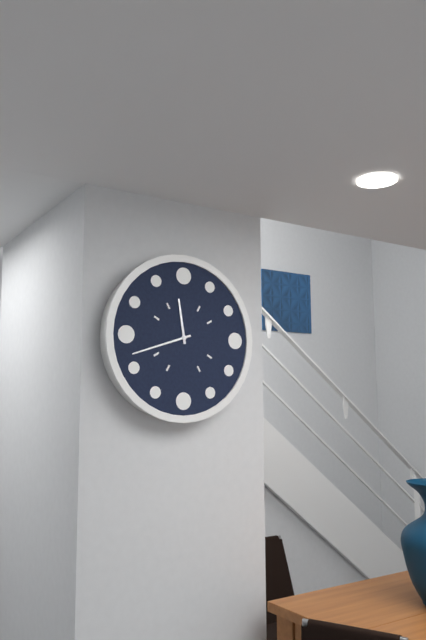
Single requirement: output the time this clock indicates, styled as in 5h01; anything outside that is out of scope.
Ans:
11h42
